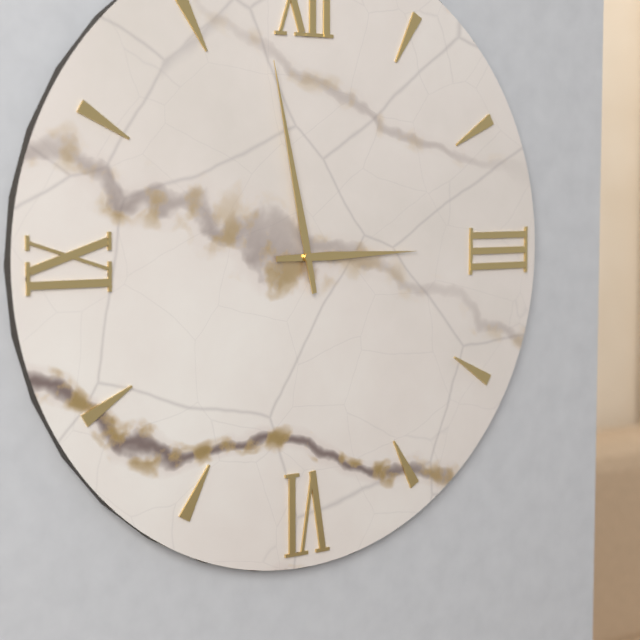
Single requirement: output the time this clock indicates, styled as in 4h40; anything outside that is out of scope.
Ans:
2h58
